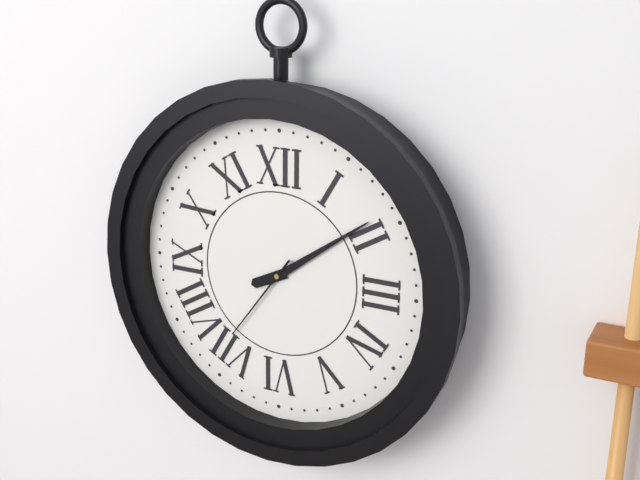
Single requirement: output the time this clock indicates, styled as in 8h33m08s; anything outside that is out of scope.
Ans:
8h09m36s
